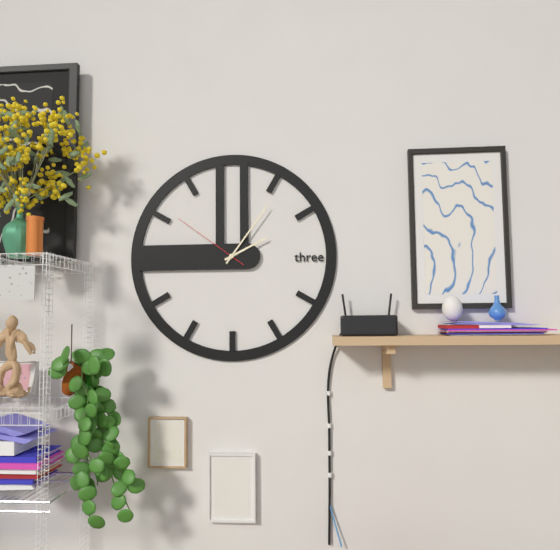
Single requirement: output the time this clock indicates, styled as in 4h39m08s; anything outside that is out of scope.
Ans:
2h06m51s
